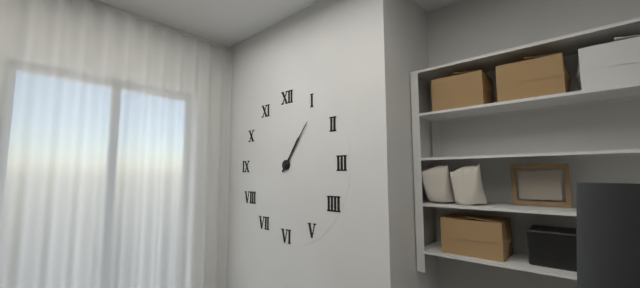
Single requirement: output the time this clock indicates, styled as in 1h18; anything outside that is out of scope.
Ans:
1h06
